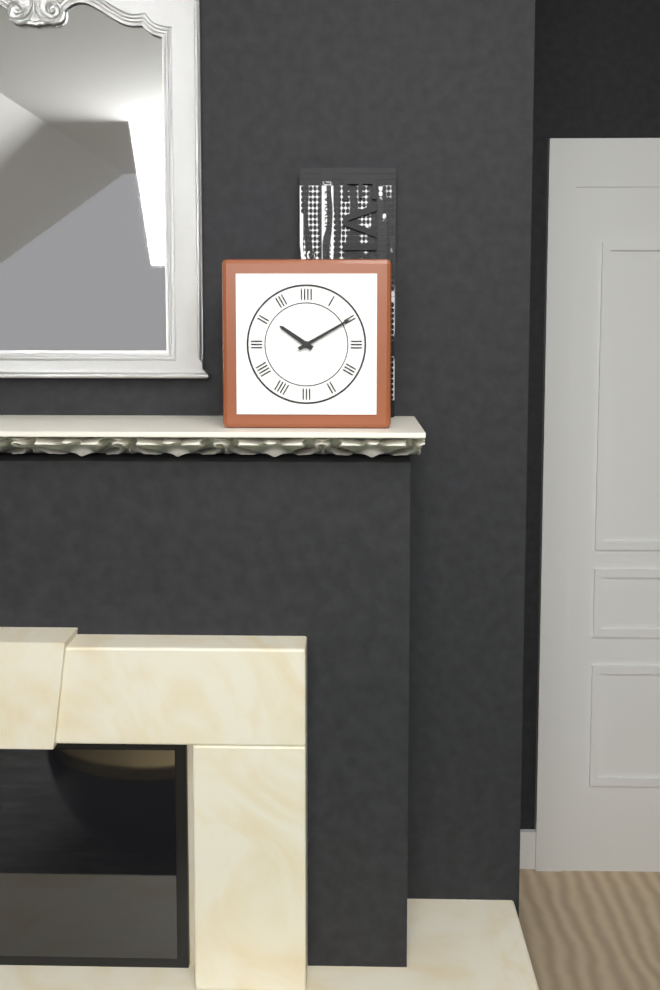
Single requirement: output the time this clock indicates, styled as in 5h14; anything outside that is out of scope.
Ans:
10h10
